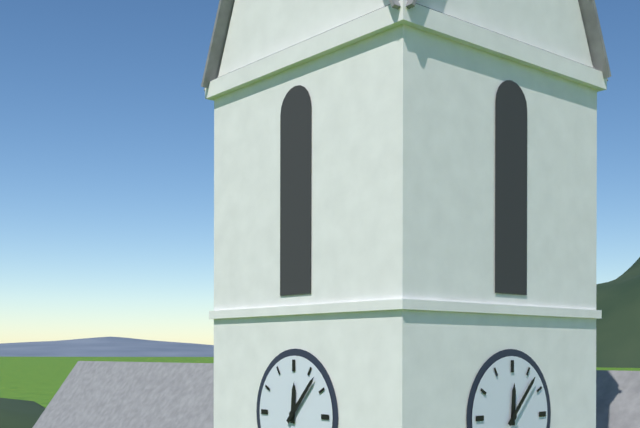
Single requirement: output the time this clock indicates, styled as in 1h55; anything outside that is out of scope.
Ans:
12h07
